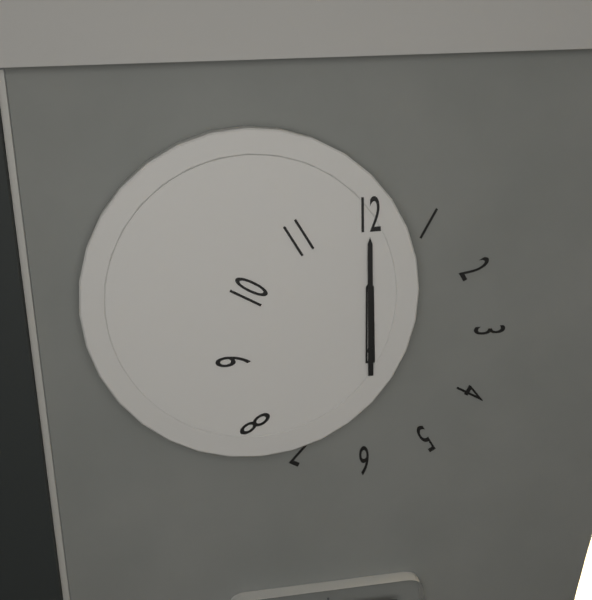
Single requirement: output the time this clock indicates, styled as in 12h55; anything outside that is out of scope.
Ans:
12h00
